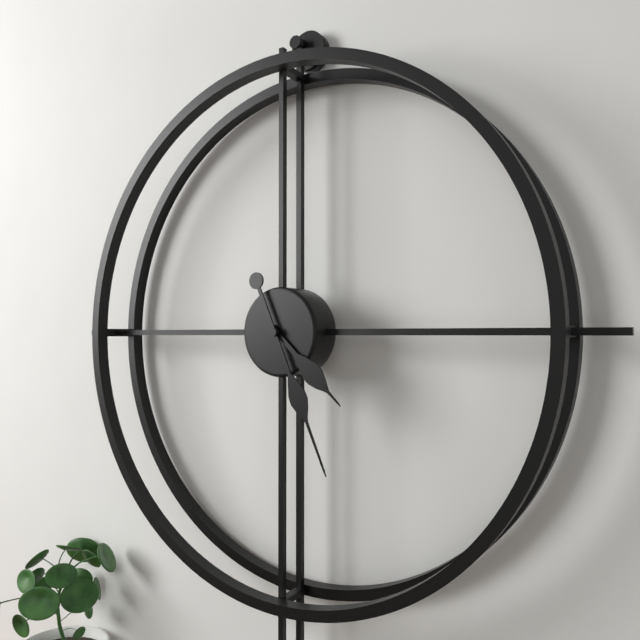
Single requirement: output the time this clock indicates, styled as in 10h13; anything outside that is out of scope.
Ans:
4h26
